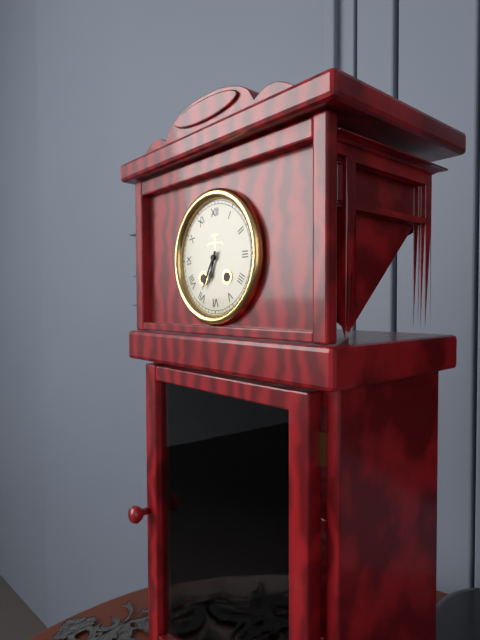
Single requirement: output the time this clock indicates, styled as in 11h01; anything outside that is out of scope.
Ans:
6h35
